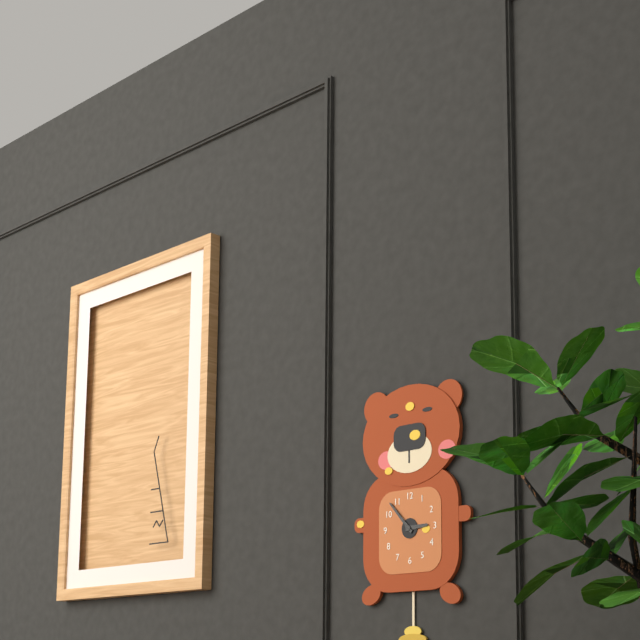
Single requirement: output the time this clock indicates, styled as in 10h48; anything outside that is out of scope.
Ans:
2h53
